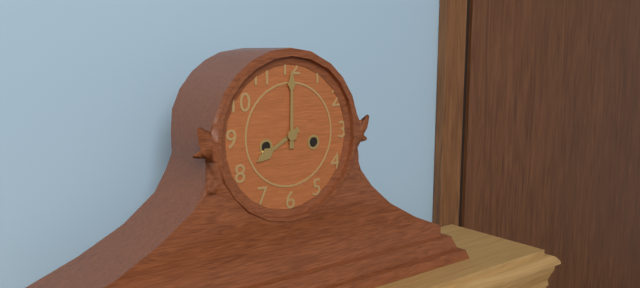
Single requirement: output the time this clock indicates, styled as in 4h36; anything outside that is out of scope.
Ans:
8h00
